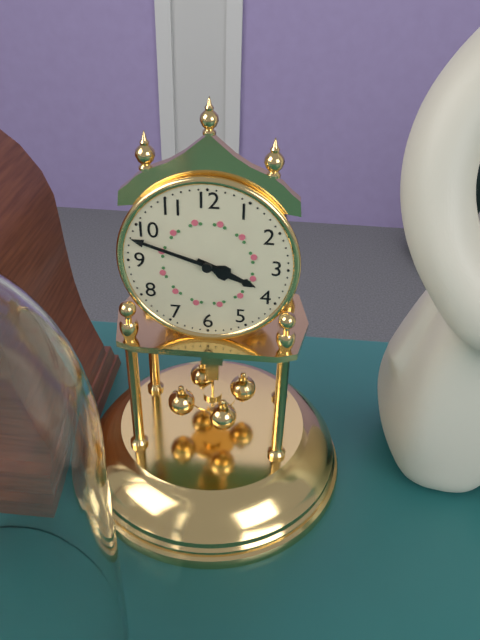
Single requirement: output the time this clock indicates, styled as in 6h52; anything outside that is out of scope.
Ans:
3h48
